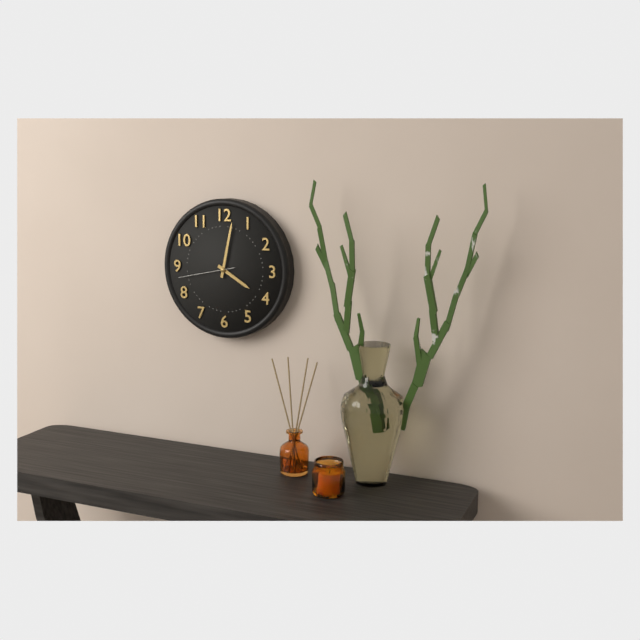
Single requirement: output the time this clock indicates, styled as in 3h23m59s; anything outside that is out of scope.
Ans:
4h02m43s
